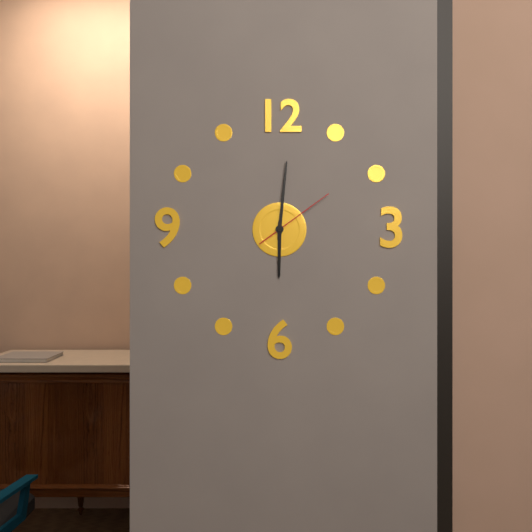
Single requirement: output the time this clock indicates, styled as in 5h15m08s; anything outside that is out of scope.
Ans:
6h01m09s
